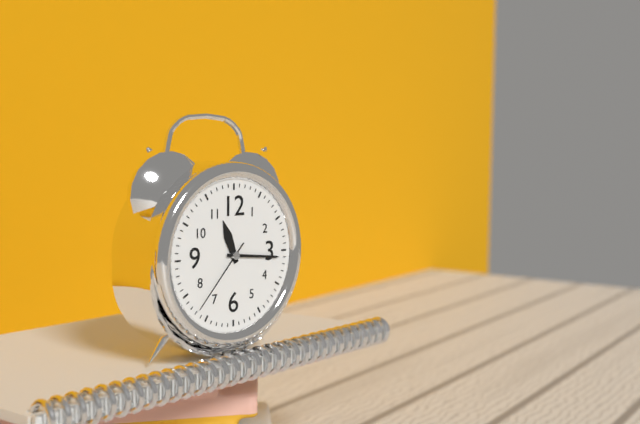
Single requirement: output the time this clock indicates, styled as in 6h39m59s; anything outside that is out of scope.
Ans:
11h16m37s
